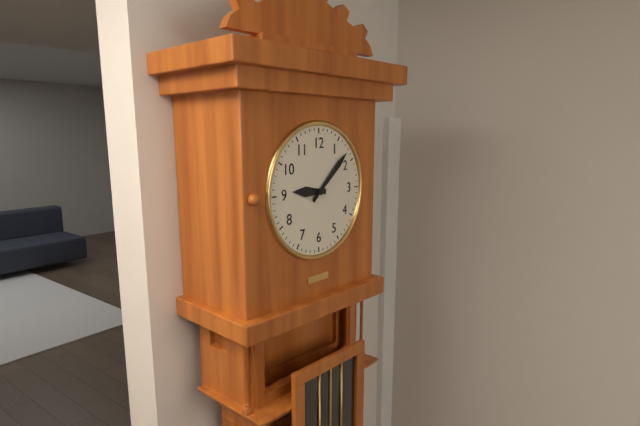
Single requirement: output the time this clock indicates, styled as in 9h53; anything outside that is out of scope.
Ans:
9h08
